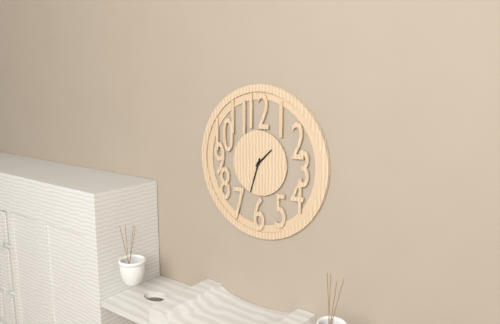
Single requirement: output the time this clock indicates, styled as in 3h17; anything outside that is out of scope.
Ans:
1h33
